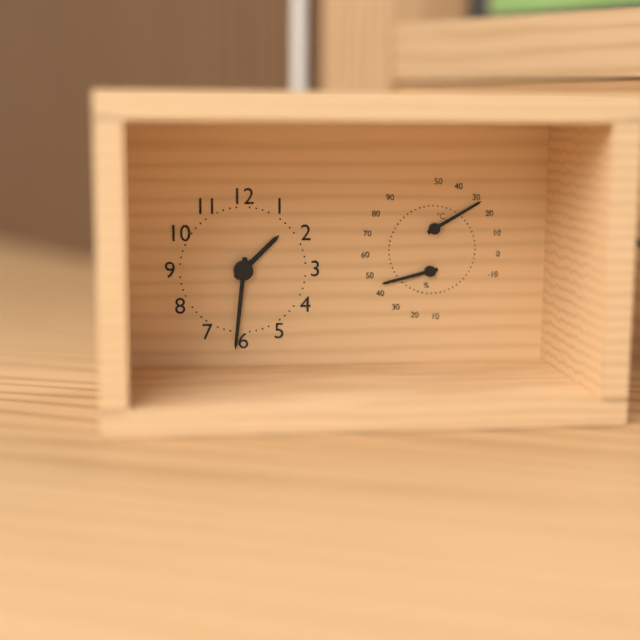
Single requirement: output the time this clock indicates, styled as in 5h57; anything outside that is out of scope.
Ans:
1h31
